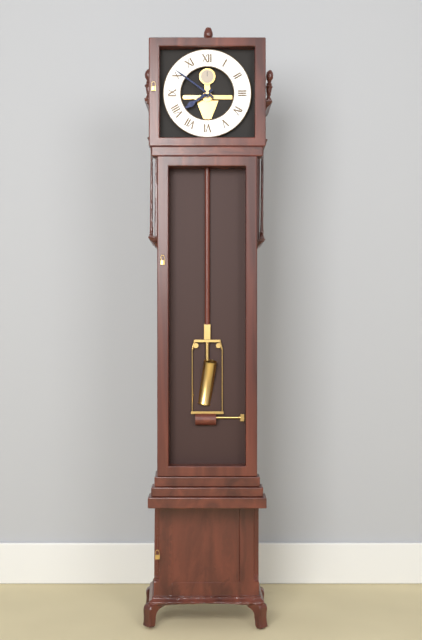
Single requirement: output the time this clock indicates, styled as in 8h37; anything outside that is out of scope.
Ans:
7h51
